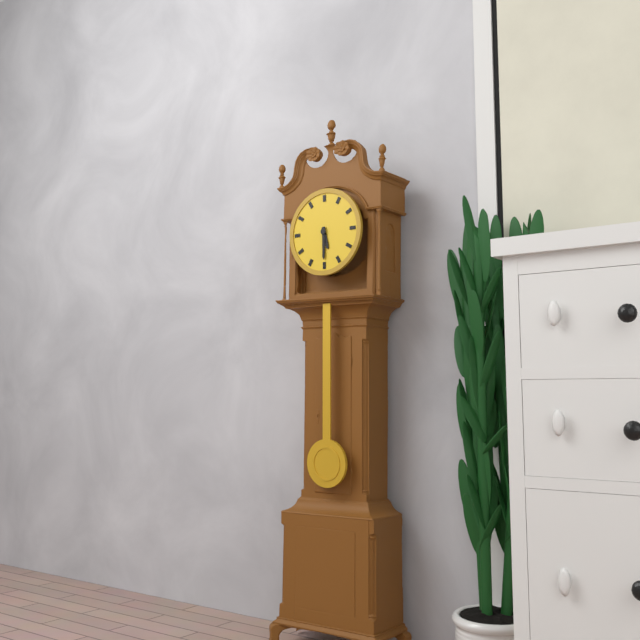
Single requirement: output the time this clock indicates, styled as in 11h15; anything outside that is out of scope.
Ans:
5h30
